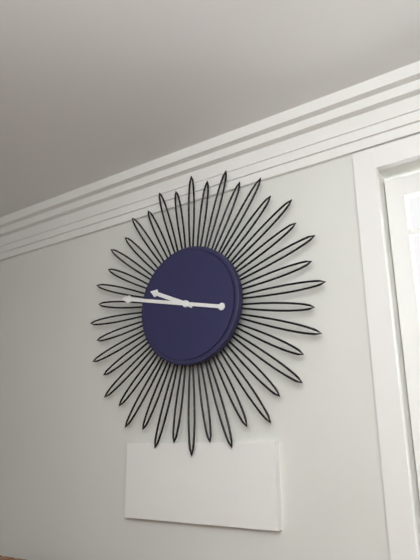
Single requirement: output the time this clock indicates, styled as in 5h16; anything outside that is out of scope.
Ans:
9h47
